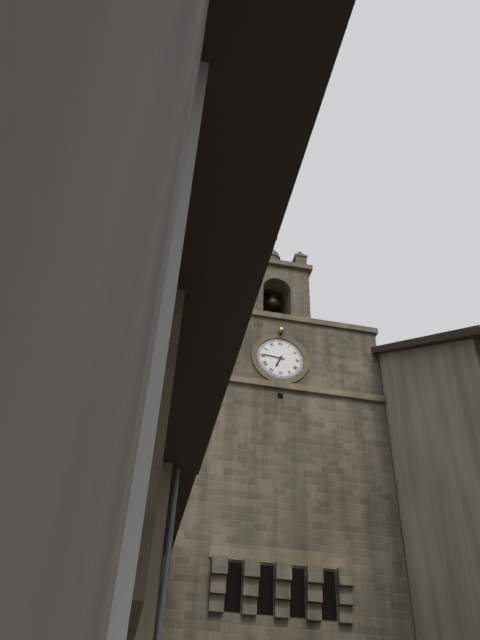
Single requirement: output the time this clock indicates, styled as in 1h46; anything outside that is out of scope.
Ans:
6h46
